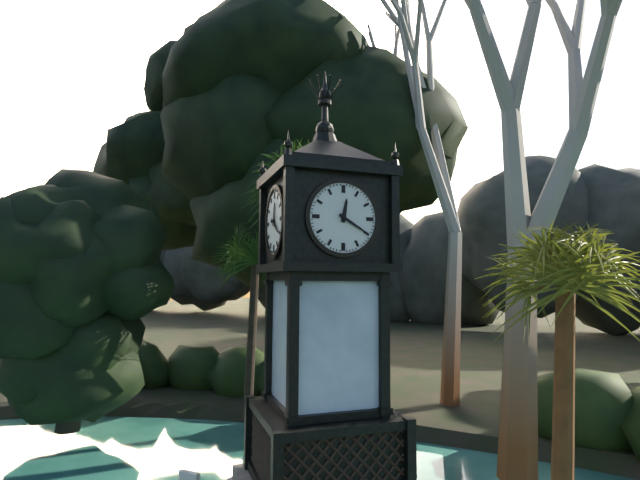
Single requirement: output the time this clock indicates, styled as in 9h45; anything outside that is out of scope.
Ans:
12h20
